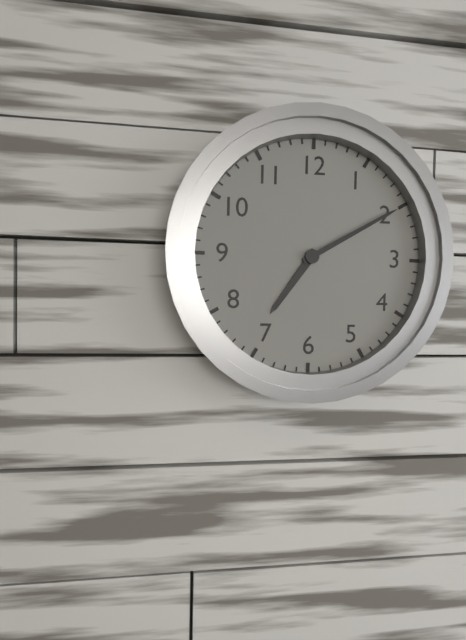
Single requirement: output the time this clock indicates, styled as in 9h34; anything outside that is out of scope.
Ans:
7h10
